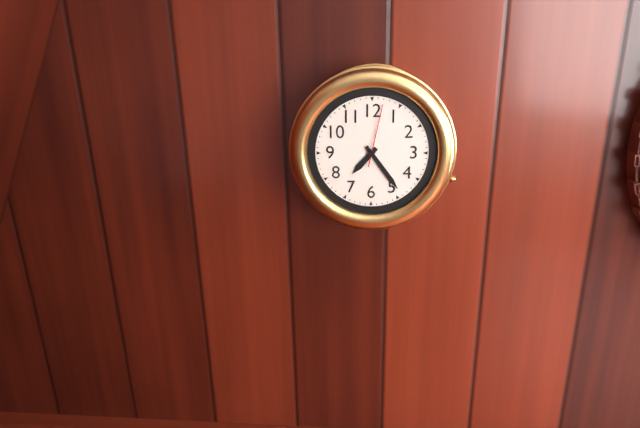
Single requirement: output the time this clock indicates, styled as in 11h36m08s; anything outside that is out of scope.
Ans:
7h24m02s
